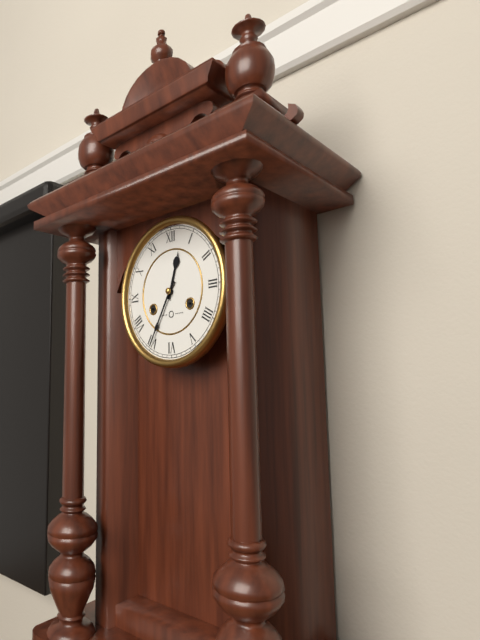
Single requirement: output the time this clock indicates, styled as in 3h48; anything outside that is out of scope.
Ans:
12h35
